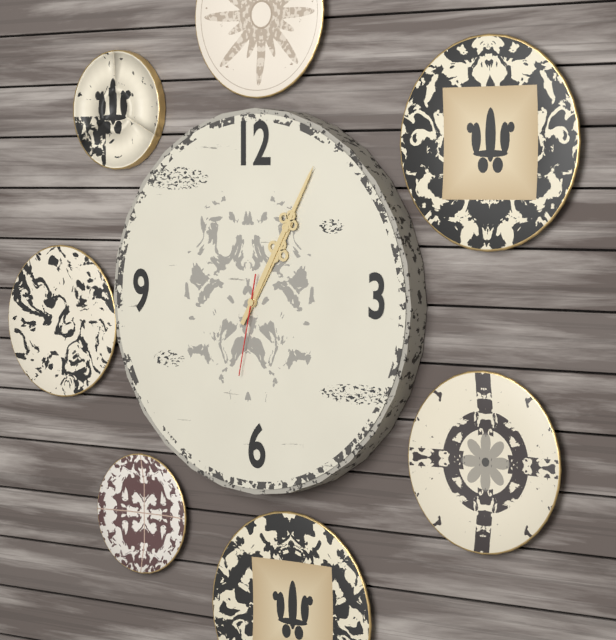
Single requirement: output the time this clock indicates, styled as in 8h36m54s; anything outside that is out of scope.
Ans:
1h05m32s
